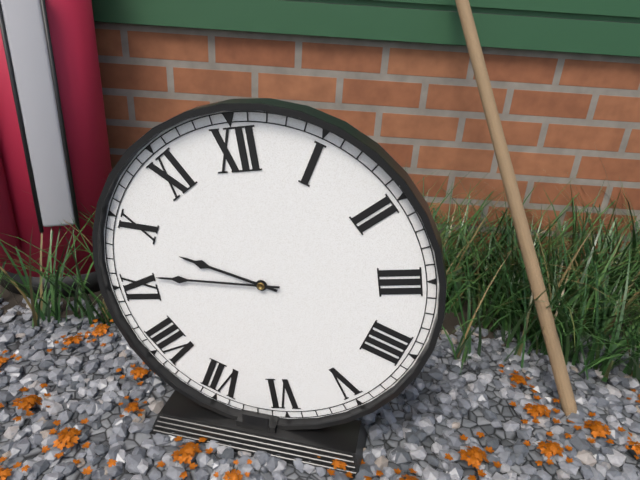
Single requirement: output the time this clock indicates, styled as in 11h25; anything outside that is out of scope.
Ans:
9h46
